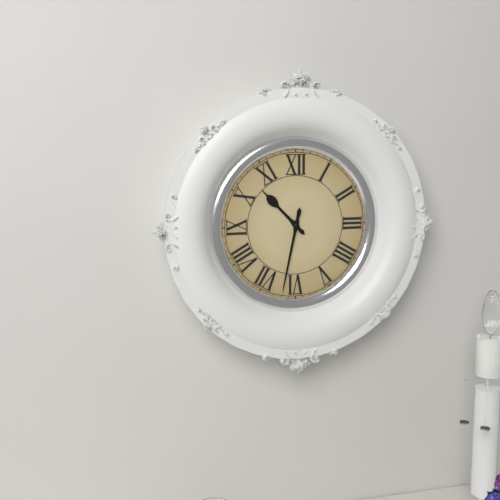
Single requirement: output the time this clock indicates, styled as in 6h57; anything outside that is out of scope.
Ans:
10h32
